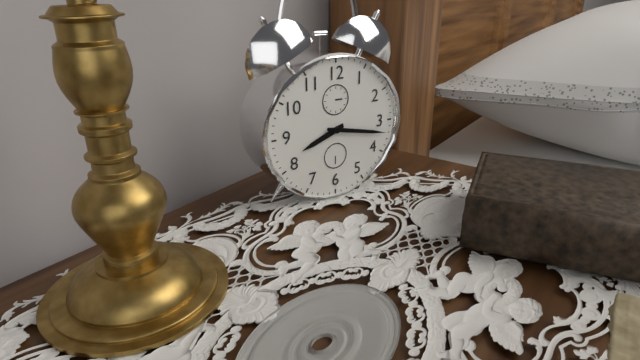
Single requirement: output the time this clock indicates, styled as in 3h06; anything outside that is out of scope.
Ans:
8h17
